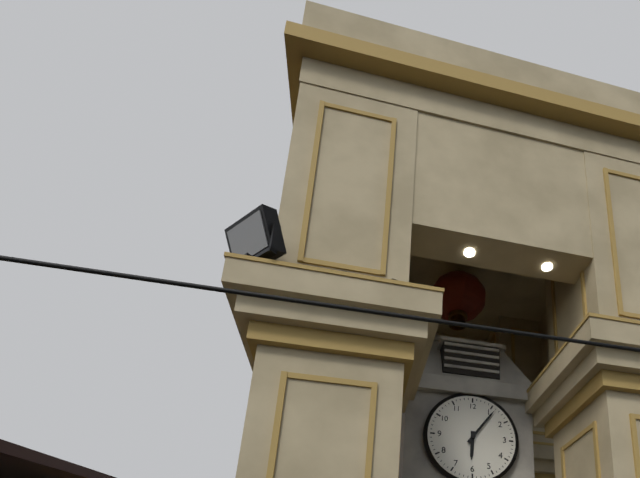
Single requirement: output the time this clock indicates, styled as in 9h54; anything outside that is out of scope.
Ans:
6h06
